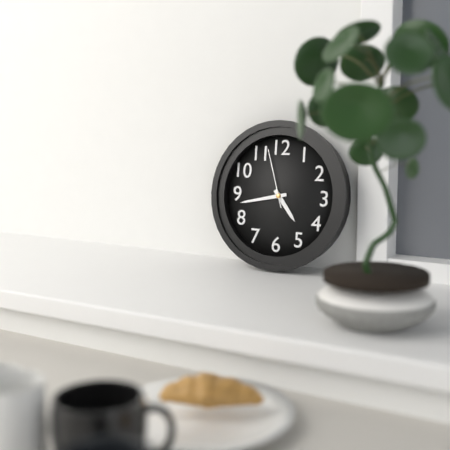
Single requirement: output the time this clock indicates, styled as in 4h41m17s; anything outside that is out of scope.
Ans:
4h43m57s
